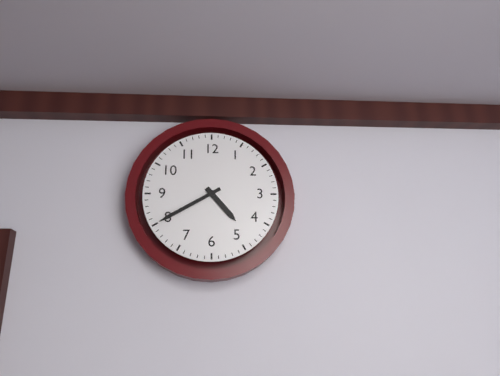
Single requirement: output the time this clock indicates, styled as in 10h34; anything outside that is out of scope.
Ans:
4h40
